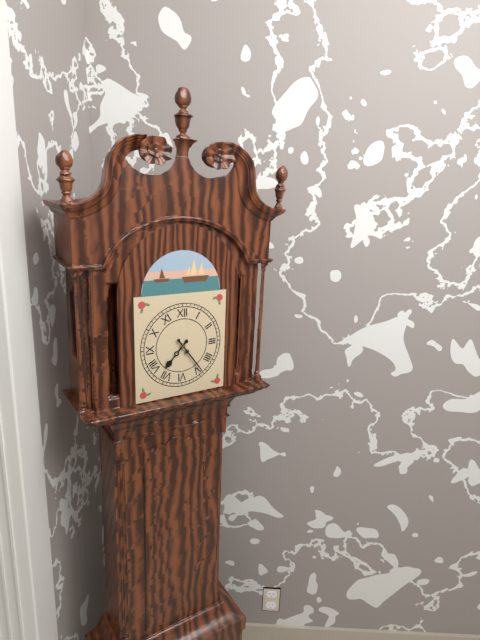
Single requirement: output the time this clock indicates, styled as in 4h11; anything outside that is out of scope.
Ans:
7h24
